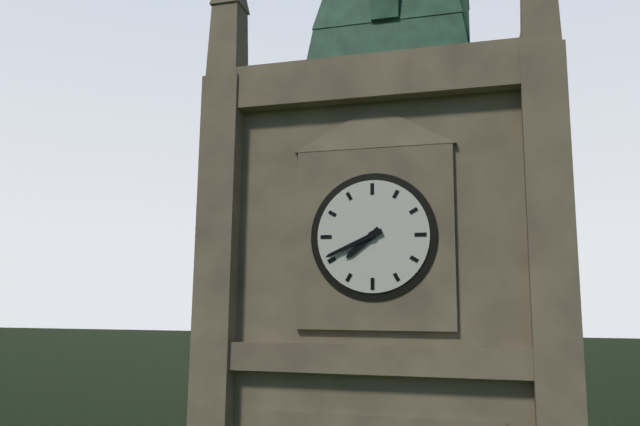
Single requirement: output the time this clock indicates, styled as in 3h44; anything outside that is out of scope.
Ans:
7h41
